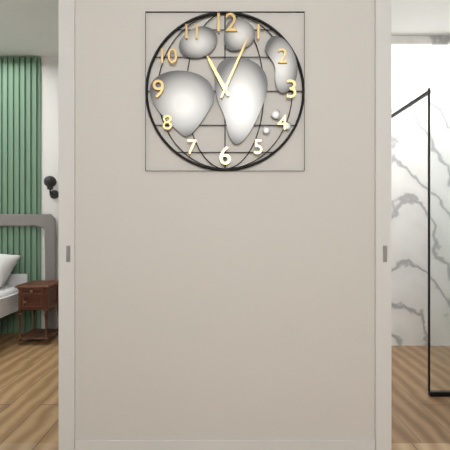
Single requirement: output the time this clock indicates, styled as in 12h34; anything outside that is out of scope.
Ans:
11h04
